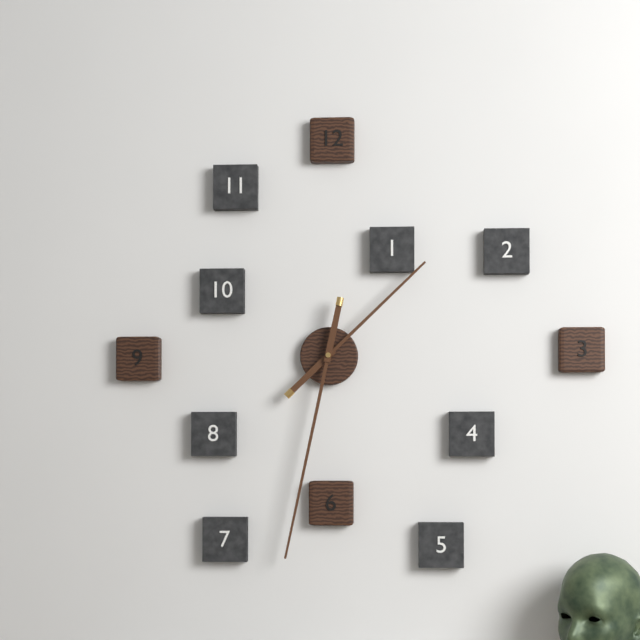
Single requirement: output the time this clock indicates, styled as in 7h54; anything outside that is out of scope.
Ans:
1h32
